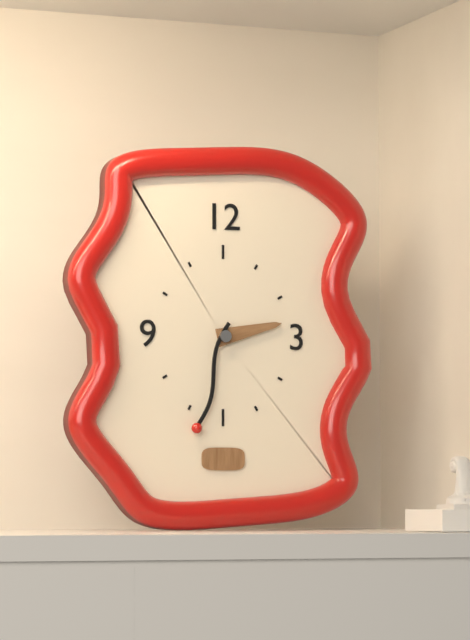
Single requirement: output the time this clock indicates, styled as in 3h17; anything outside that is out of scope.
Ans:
2h33
